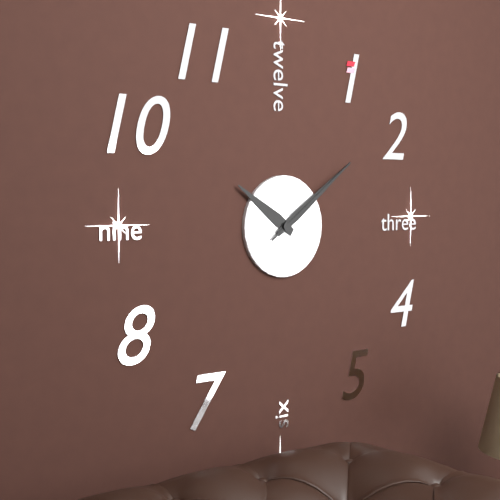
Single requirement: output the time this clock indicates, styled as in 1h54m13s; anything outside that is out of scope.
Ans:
10h09m09s
